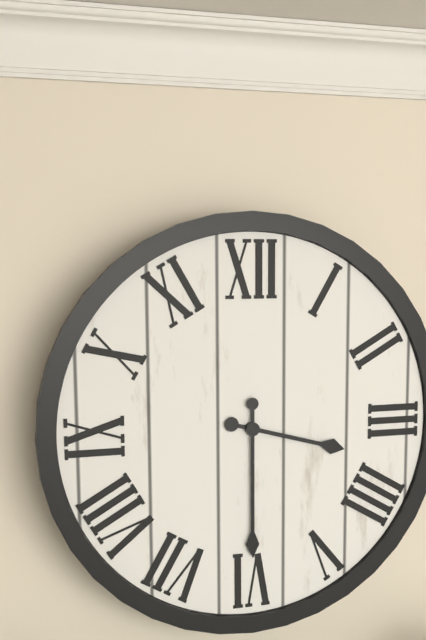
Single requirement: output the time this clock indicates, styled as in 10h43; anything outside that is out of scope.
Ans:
3h30
